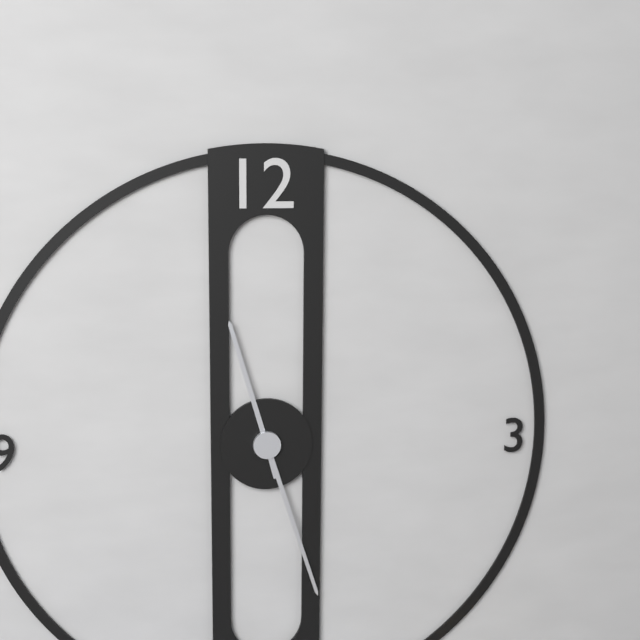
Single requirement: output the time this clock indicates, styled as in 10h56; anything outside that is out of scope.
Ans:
11h27
